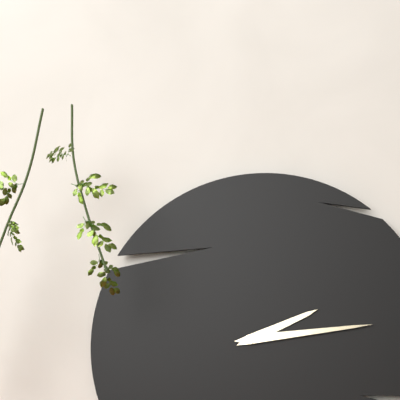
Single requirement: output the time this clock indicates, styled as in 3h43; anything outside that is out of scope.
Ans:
2h14
